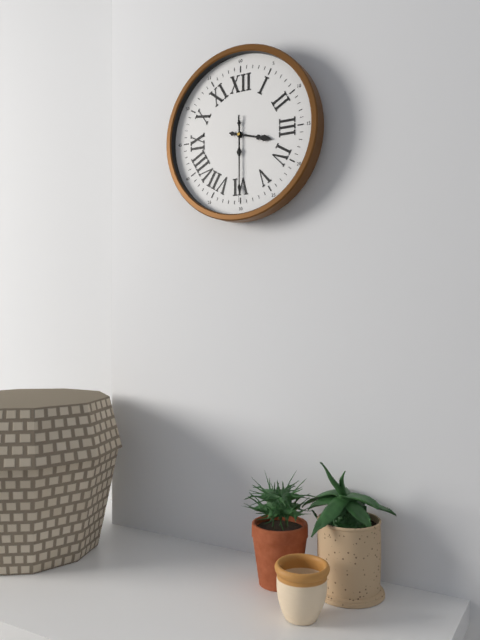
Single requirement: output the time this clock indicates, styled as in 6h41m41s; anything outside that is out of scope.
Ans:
3h30m30s
